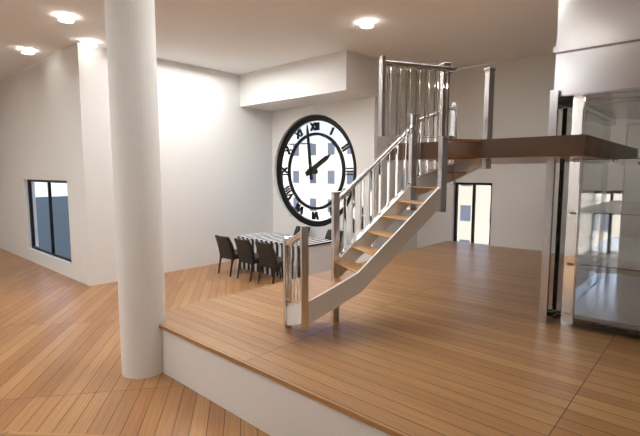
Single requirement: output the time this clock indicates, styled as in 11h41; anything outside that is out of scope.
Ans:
1h59
